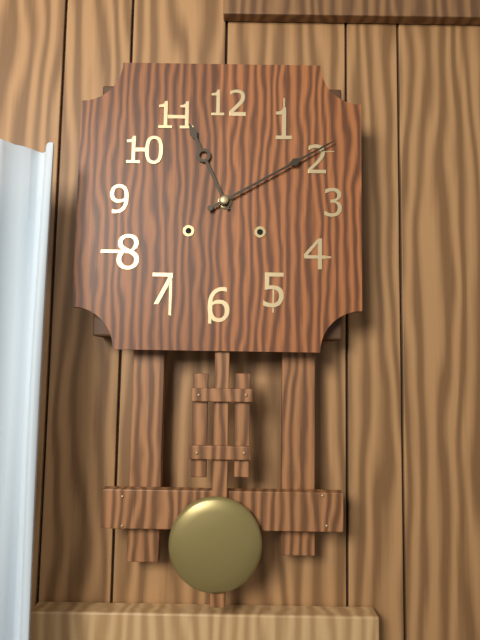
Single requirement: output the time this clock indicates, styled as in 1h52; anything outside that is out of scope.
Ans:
11h10
